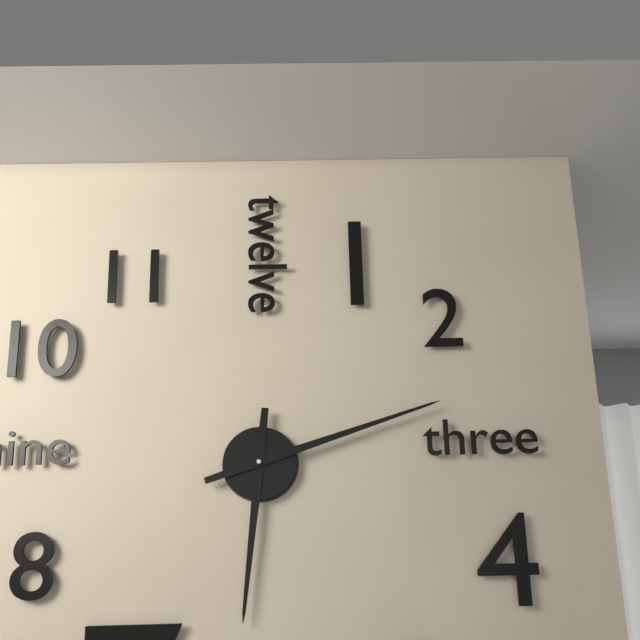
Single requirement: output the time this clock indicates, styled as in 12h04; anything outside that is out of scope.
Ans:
6h12
